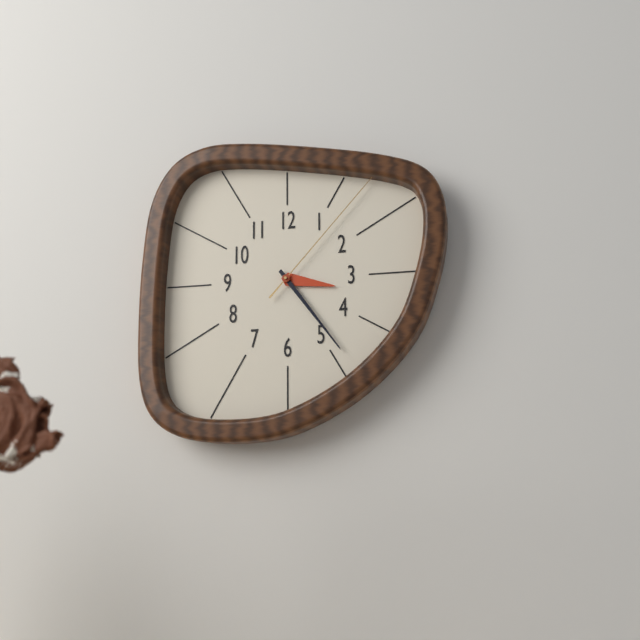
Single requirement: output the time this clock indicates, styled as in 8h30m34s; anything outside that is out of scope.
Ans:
3h24m07s
